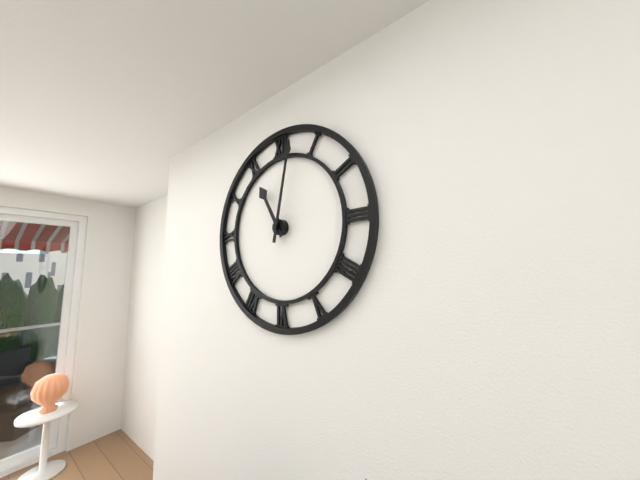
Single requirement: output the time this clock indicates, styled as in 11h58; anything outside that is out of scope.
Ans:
11h02
